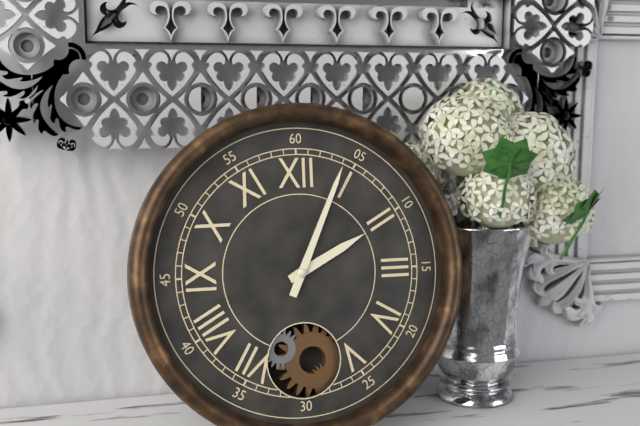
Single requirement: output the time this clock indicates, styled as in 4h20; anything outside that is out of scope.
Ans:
2h04
